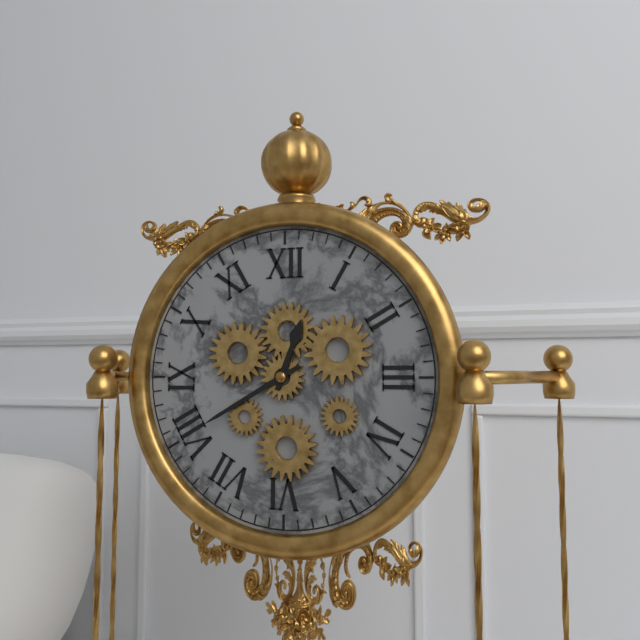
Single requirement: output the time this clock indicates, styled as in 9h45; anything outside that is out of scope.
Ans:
12h40
